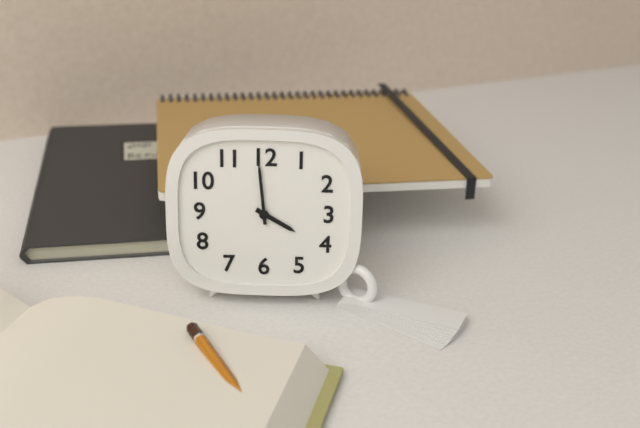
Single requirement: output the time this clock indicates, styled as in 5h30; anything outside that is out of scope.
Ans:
3h59
